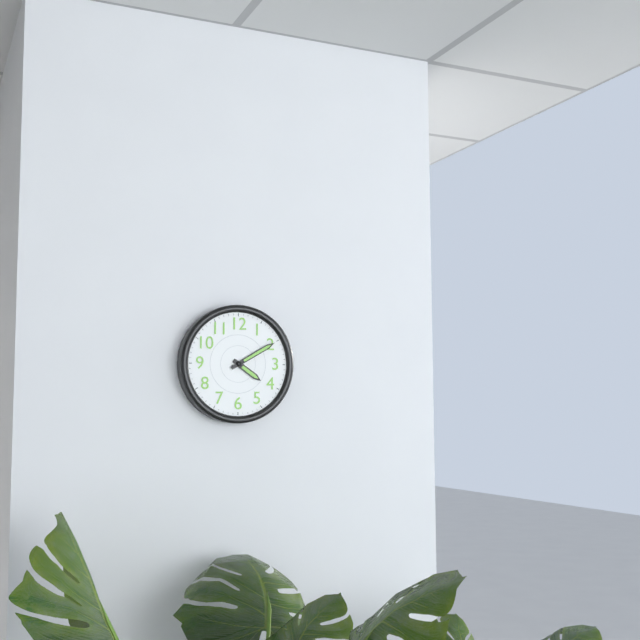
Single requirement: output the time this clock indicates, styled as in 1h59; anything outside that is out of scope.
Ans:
4h10
